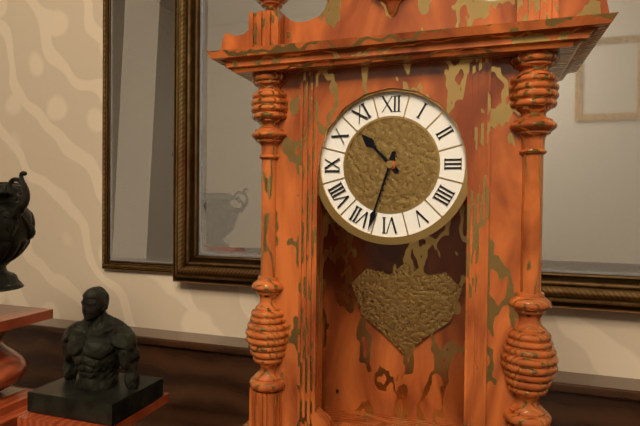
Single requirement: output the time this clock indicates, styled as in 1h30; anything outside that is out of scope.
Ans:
10h33
